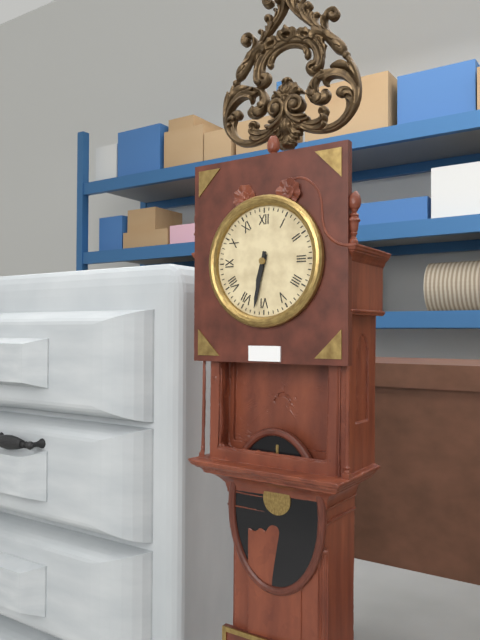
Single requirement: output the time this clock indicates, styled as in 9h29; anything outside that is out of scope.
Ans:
6h32
